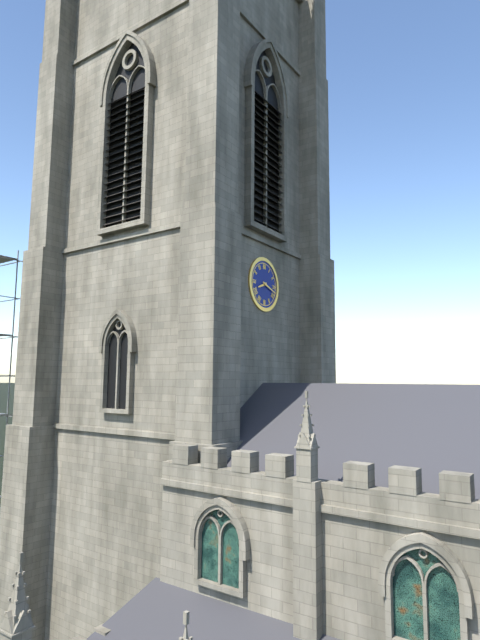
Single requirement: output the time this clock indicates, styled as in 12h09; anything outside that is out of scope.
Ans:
8h18
